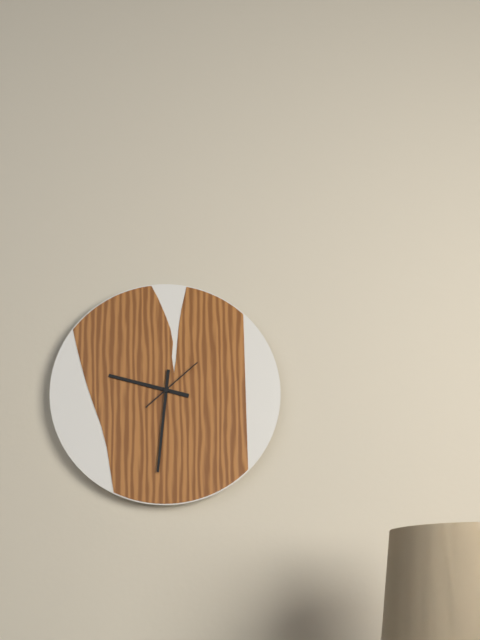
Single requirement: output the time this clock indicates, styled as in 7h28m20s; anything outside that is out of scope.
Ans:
9h31m08s
